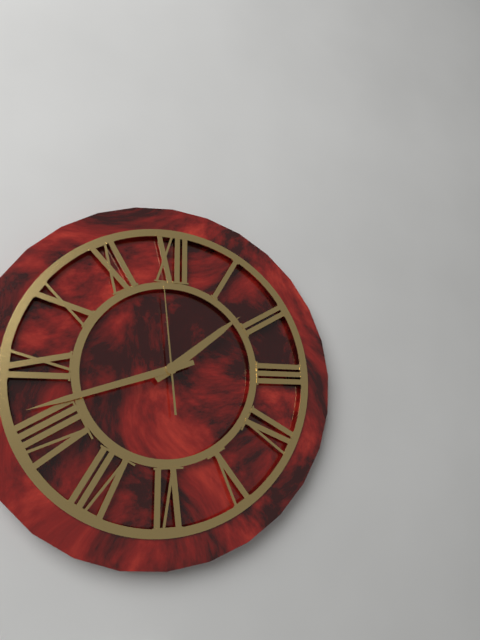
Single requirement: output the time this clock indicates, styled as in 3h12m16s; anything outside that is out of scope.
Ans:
1h42m59s
